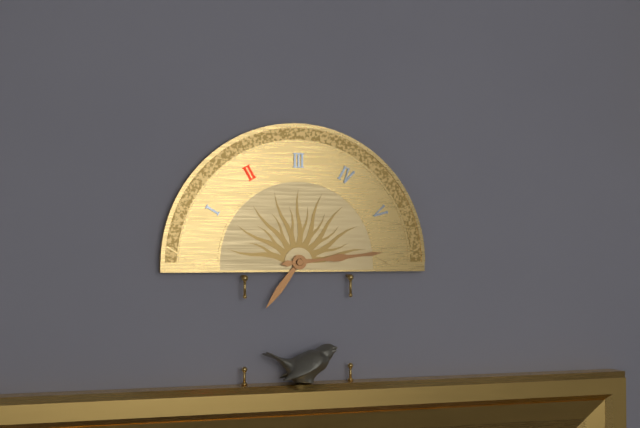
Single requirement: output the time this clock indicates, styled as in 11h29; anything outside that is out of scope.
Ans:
7h14
